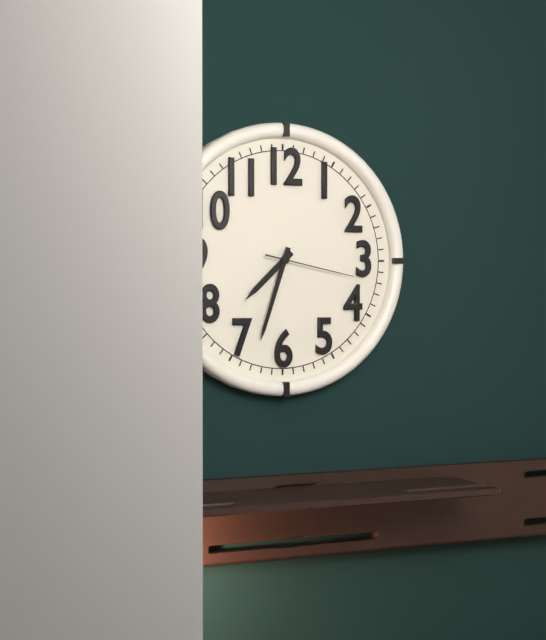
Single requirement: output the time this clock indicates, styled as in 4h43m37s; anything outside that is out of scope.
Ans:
7h33m17s
